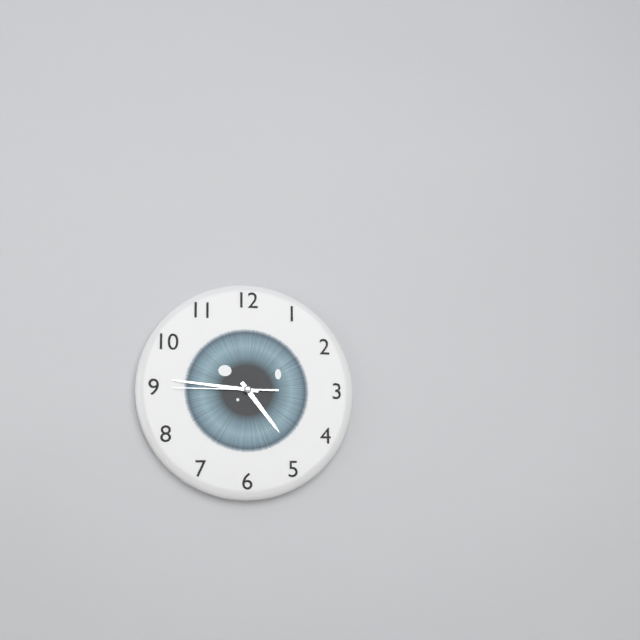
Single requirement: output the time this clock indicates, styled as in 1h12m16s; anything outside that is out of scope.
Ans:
4h46m45s
